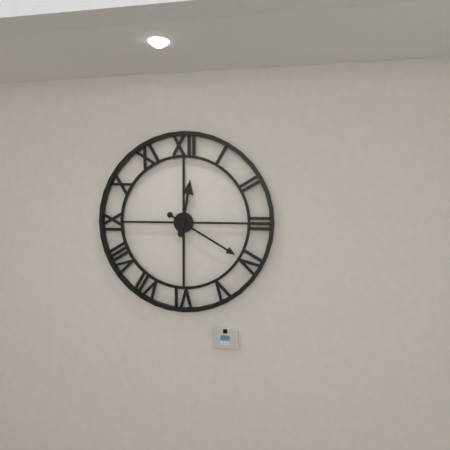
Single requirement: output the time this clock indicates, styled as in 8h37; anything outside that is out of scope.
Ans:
12h20
